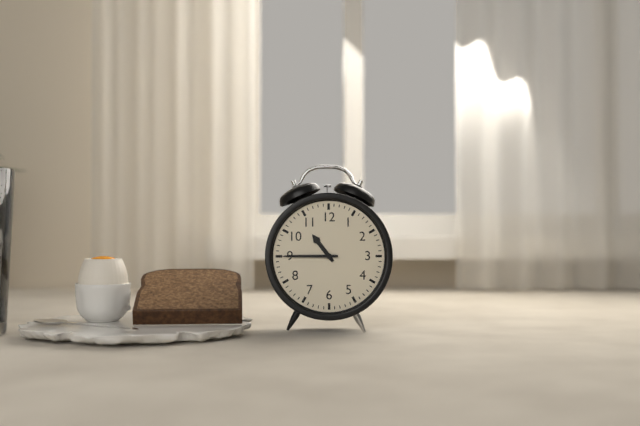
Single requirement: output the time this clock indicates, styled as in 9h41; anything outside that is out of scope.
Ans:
10h45
